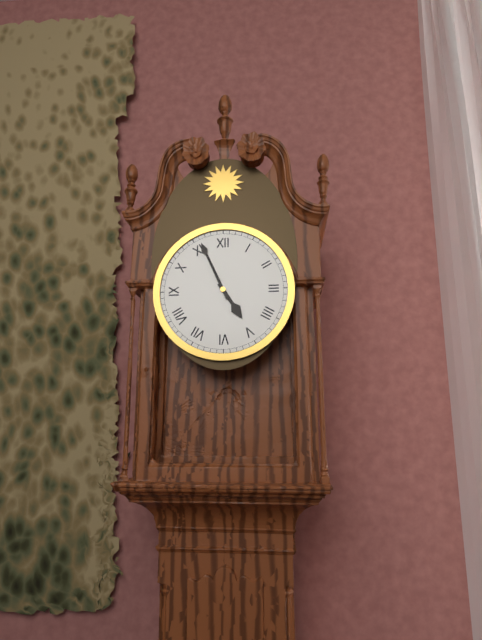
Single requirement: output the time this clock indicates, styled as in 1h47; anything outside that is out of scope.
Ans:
4h56
